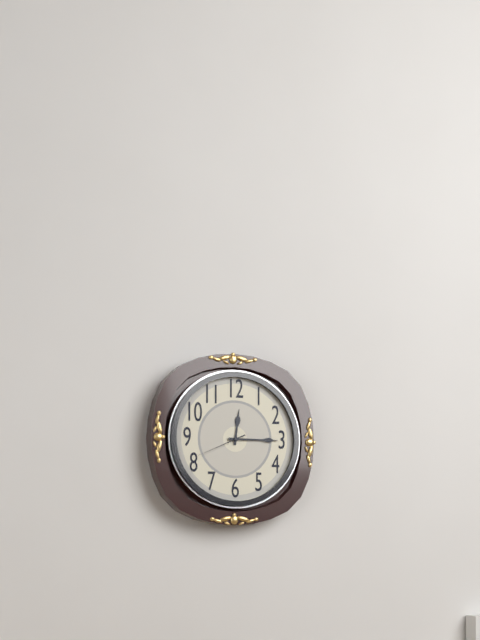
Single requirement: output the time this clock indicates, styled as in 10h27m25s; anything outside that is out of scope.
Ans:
12h15m41s
